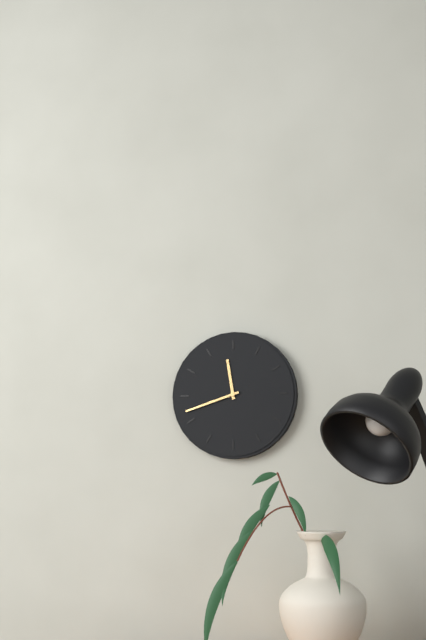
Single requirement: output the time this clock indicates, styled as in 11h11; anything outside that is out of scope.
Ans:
11h42
